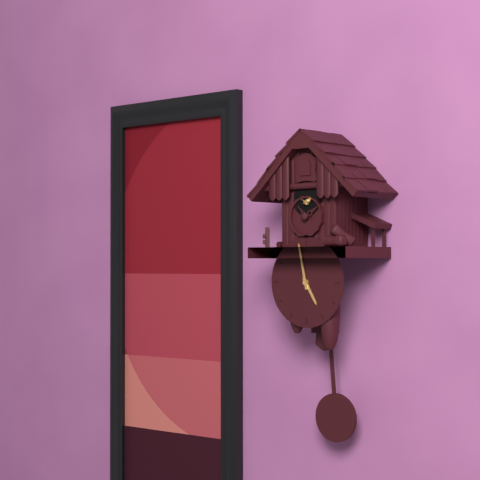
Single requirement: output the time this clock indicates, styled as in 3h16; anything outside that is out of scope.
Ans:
4h58
